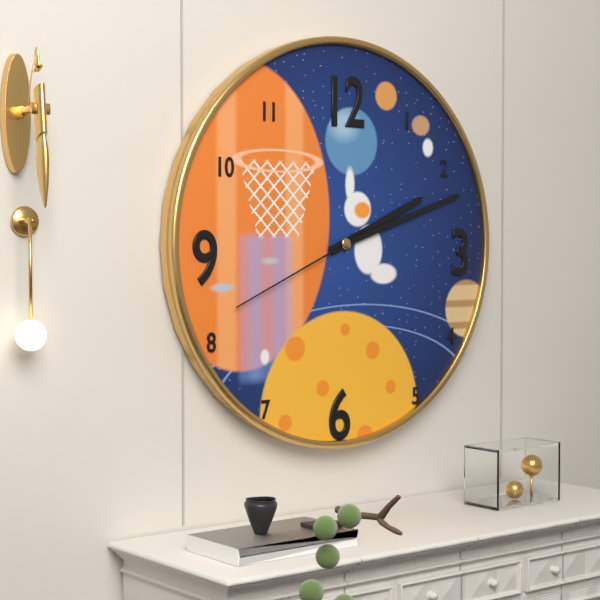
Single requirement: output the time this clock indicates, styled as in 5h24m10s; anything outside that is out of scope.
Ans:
2h12m41s
